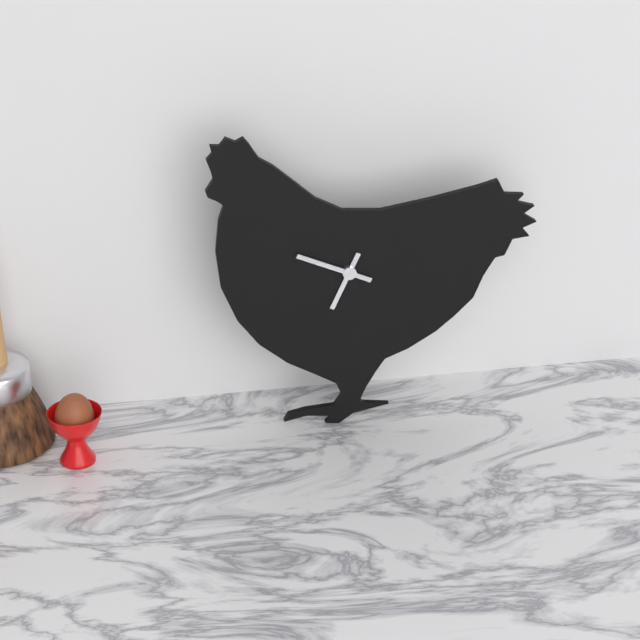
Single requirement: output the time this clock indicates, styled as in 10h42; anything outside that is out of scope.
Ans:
6h49
